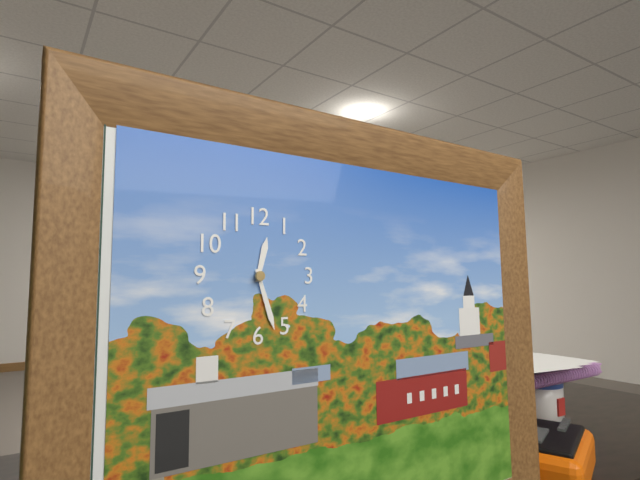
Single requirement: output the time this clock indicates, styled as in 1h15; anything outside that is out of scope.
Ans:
12h27
